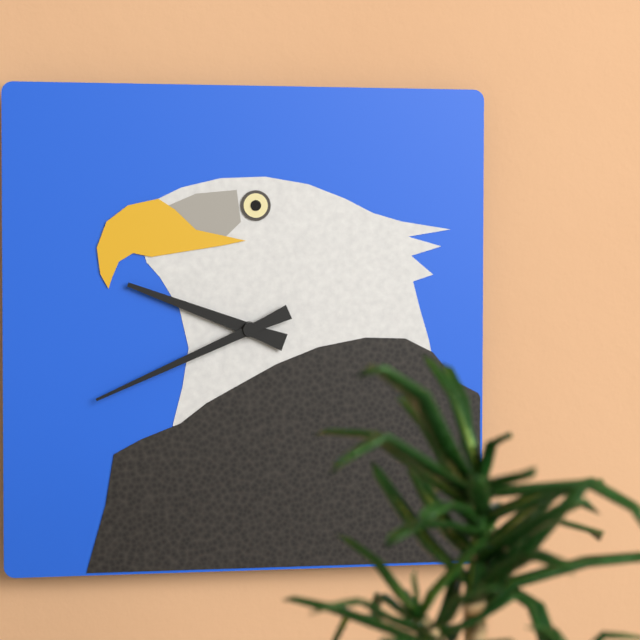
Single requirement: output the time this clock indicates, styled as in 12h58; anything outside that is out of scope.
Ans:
9h41
